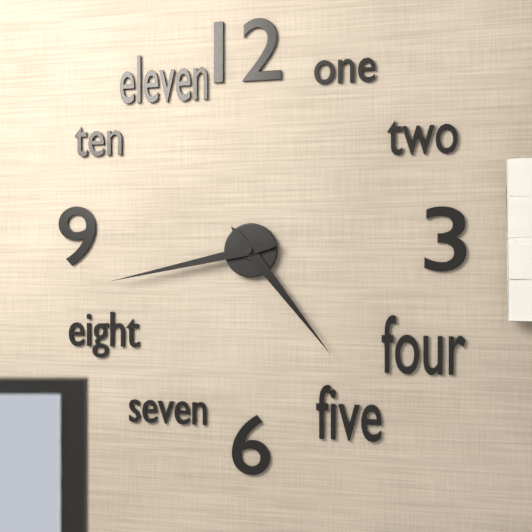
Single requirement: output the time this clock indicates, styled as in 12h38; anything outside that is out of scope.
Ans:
4h43
